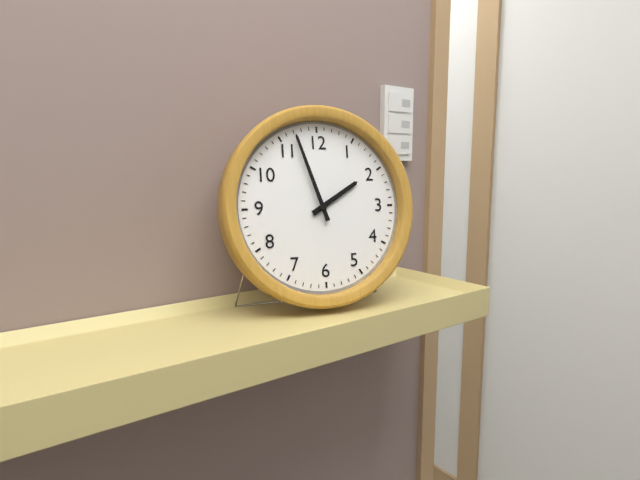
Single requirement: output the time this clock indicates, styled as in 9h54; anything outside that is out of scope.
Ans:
1h57
